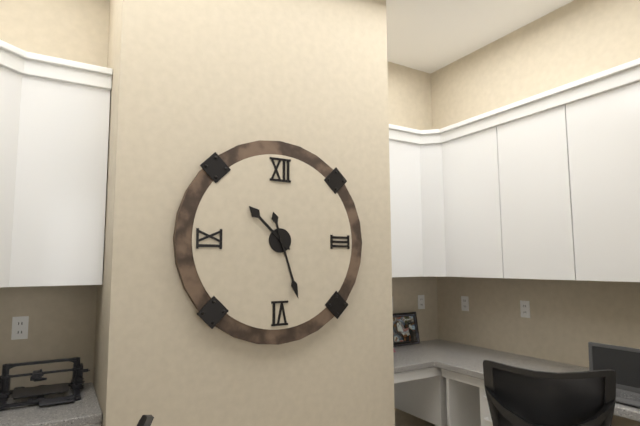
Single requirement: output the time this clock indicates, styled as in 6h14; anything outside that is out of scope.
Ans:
10h27
